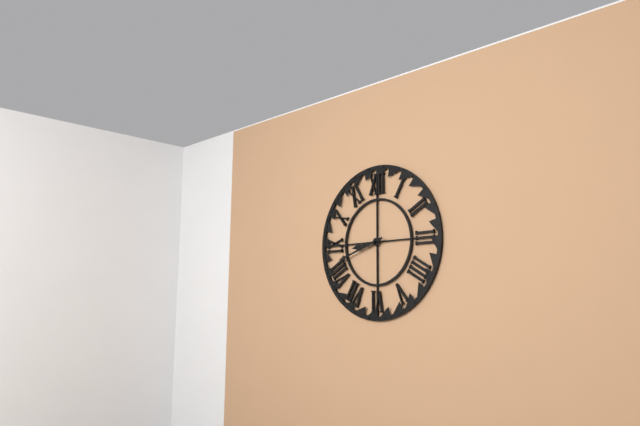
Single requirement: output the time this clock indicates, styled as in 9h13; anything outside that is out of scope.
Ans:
8h42
